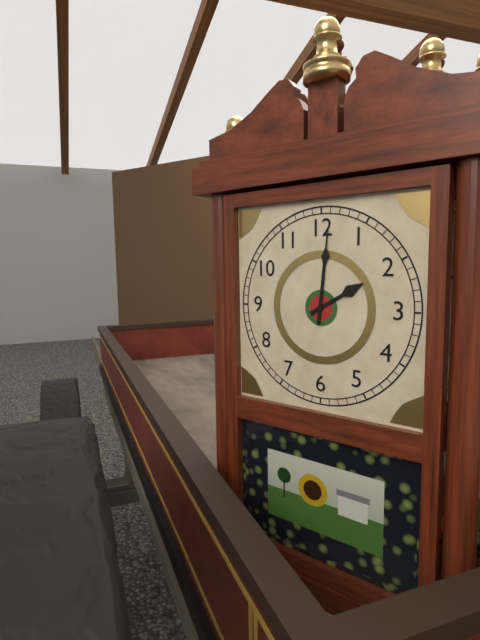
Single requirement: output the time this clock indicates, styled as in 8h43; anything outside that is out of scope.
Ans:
2h01
